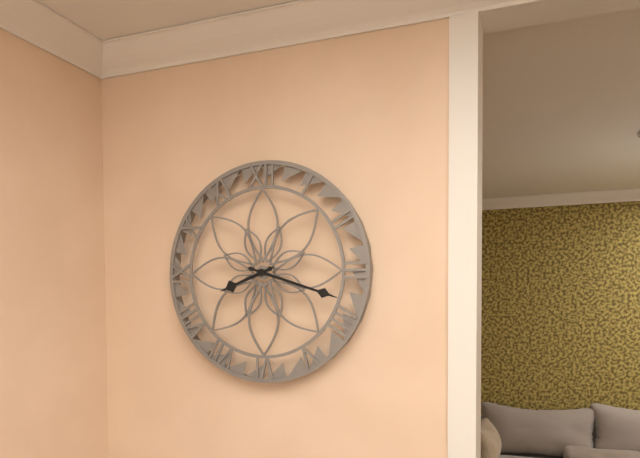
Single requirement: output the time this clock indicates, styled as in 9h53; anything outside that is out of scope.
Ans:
8h18
